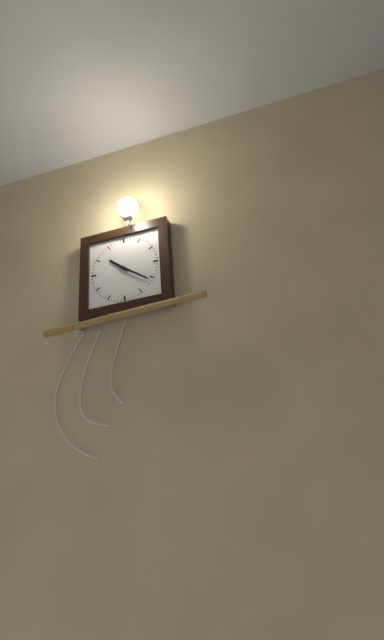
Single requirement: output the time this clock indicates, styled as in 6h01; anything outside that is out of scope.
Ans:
10h21
